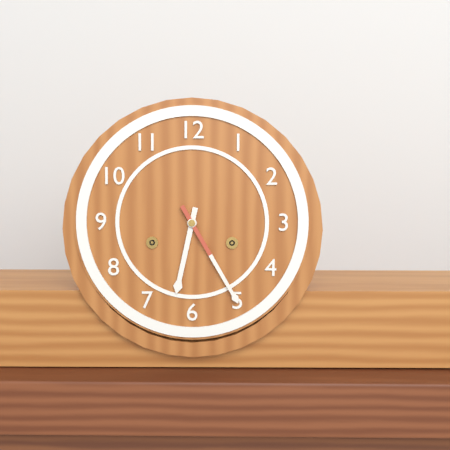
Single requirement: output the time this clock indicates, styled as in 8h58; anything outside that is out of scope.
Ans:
6h25
